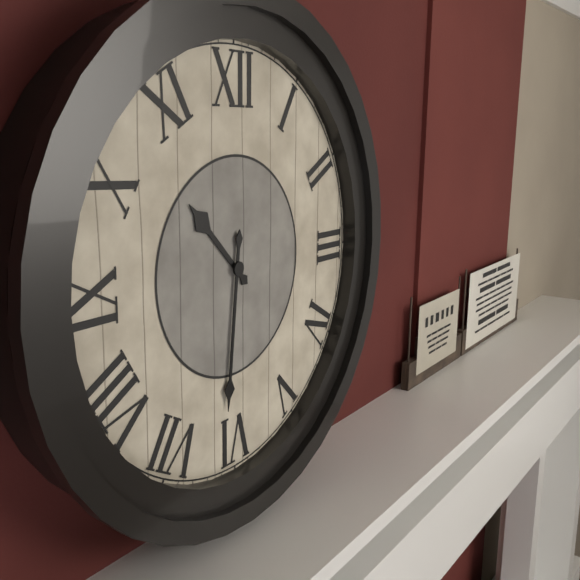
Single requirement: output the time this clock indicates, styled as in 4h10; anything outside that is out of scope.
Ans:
10h31
